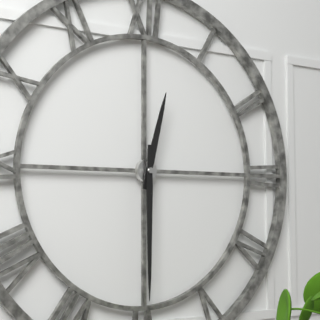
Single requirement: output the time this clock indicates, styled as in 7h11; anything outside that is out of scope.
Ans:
12h30
